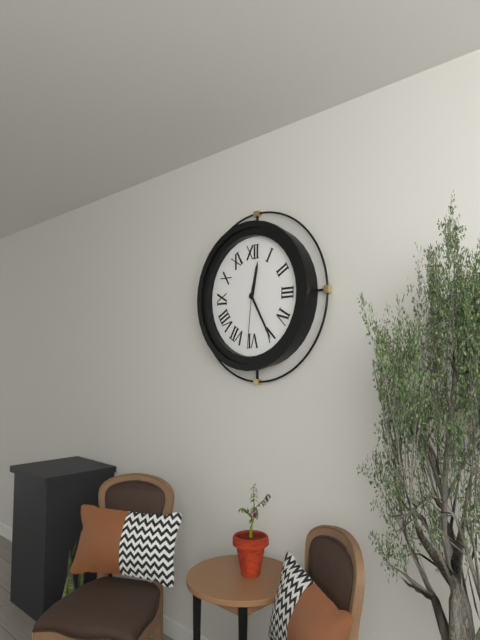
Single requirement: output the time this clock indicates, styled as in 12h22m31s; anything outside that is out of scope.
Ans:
12h25m31s
